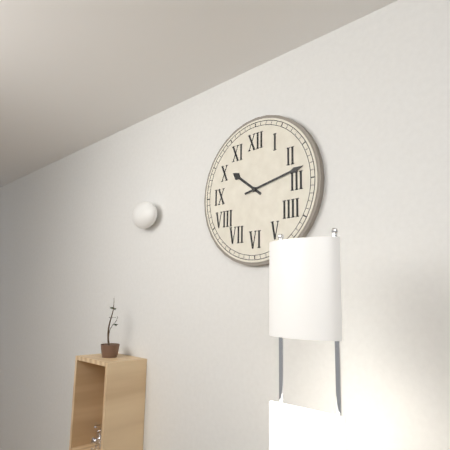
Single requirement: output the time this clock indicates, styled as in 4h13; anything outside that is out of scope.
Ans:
10h13
